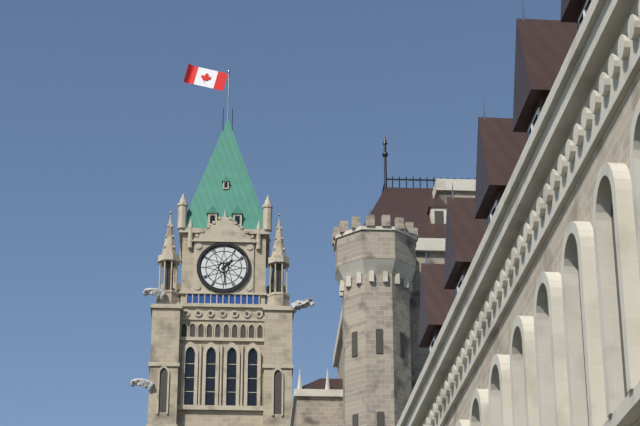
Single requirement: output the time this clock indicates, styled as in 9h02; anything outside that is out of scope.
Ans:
1h29
